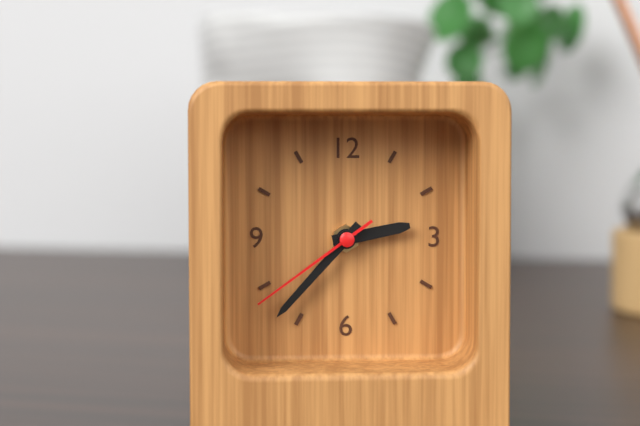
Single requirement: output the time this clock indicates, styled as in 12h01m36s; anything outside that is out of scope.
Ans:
2h37m39s
